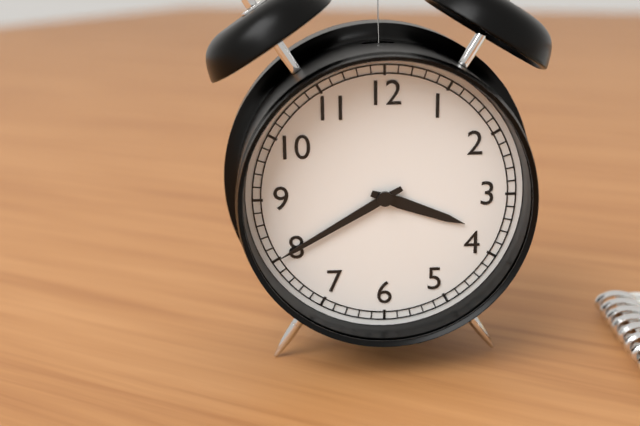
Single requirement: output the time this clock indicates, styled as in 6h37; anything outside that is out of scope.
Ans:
3h40
